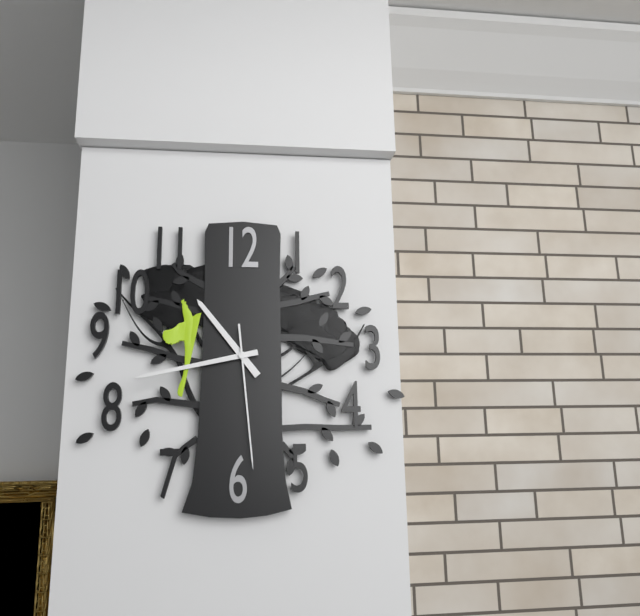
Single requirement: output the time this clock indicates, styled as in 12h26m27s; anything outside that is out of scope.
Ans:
10h43m29s
